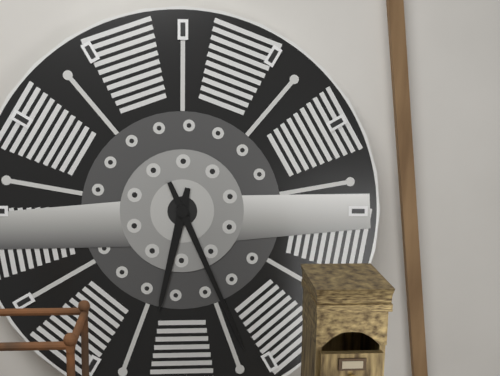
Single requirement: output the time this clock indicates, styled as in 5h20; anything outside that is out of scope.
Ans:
6h26
